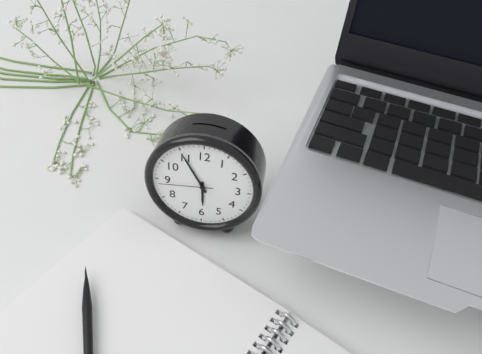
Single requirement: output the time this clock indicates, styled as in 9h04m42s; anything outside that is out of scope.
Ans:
5h55m44s
